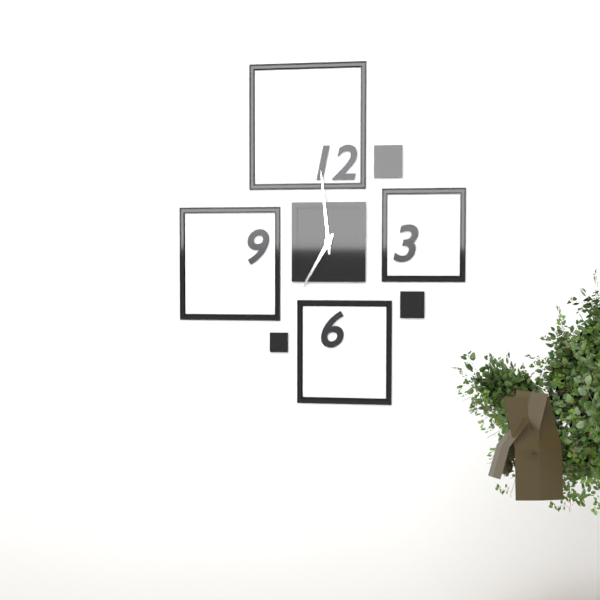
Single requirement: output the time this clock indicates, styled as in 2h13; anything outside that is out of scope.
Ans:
6h59
